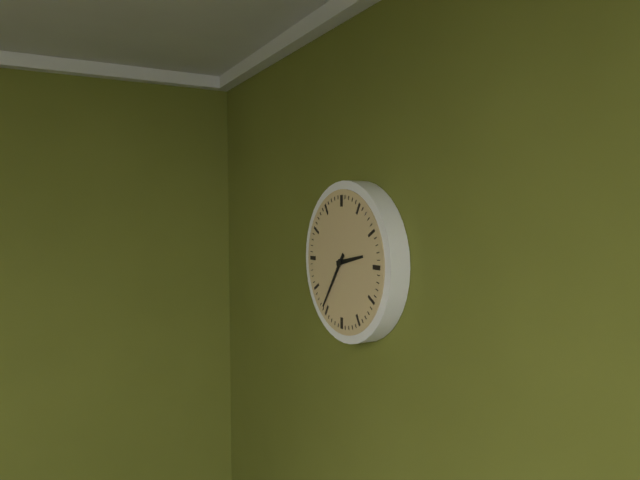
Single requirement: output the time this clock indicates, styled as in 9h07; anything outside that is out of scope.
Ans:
2h36
